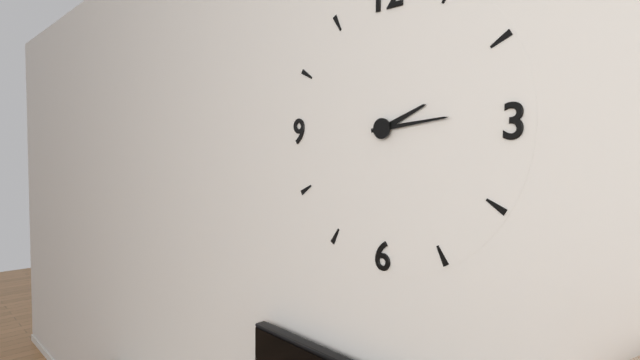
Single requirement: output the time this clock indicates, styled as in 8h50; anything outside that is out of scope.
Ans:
2h14
